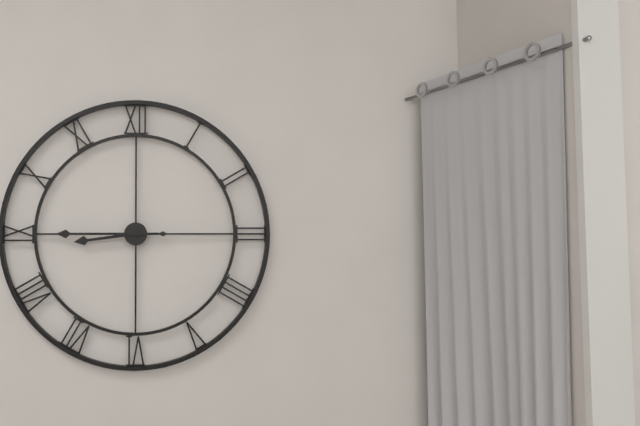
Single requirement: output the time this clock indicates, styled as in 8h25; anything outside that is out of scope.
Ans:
8h45
